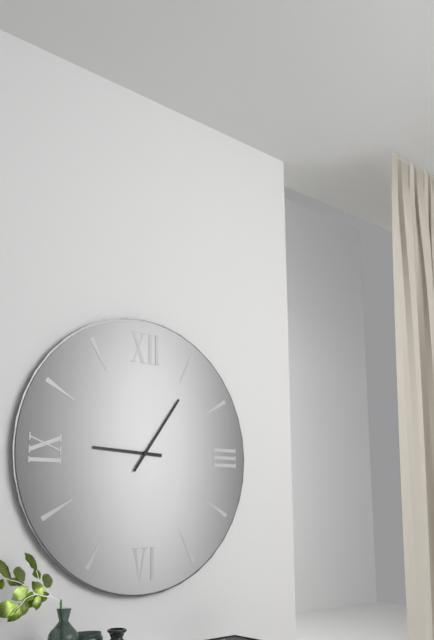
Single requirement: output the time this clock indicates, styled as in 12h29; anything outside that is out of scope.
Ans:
9h06
